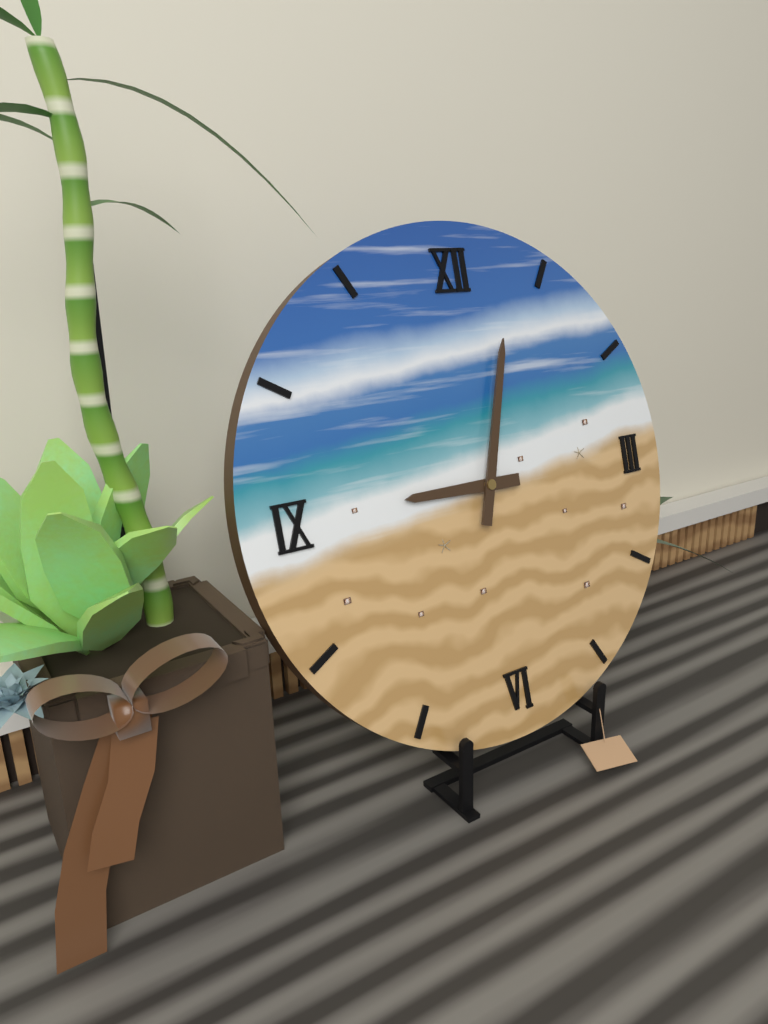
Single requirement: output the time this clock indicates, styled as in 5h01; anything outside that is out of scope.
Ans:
9h03
